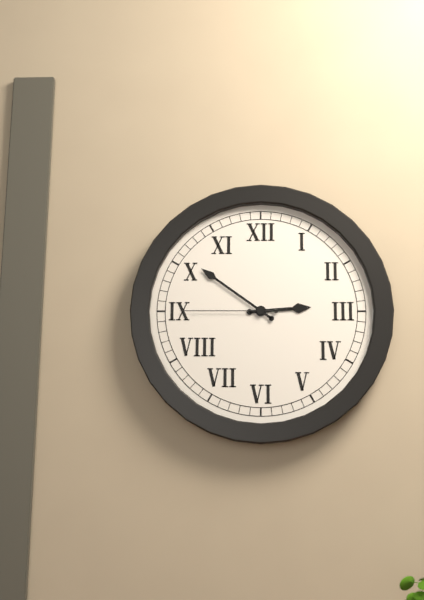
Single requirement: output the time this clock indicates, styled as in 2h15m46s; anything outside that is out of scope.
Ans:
2h51m45s
